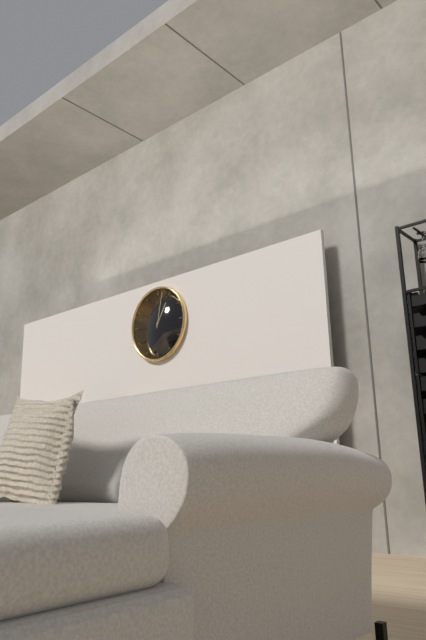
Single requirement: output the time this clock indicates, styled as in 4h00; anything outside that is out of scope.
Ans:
1h02
